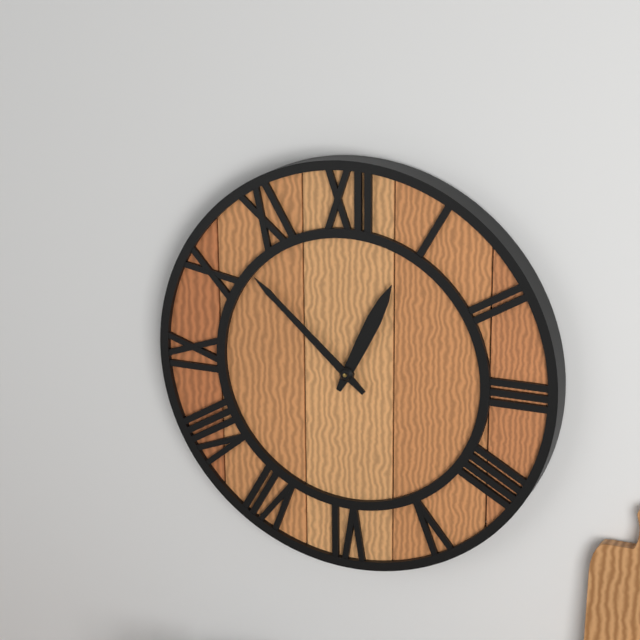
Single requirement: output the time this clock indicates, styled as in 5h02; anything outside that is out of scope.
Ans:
12h52
